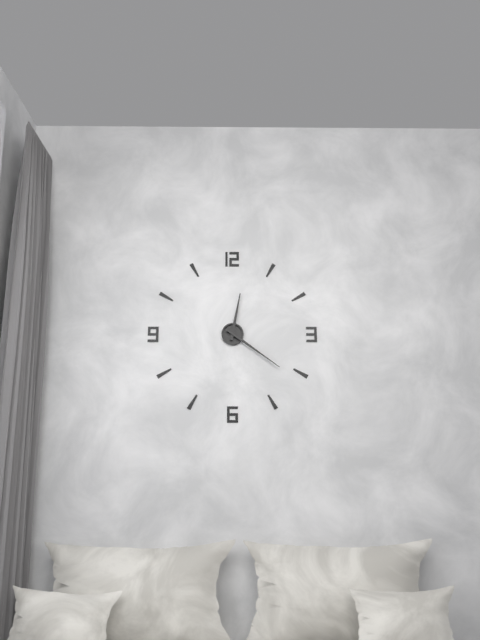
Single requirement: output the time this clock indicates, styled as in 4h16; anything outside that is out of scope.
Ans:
12h21
